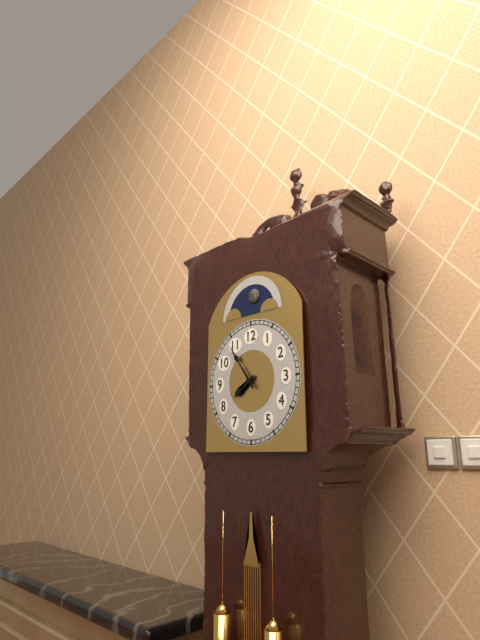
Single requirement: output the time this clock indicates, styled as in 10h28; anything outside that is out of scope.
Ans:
7h54
